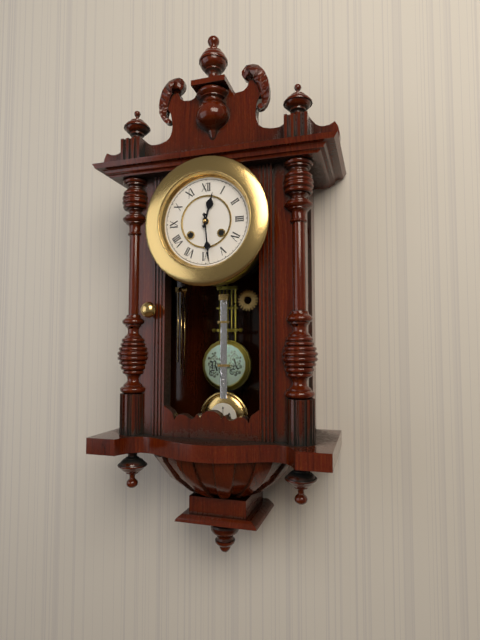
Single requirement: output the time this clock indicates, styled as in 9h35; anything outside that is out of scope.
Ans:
12h29
